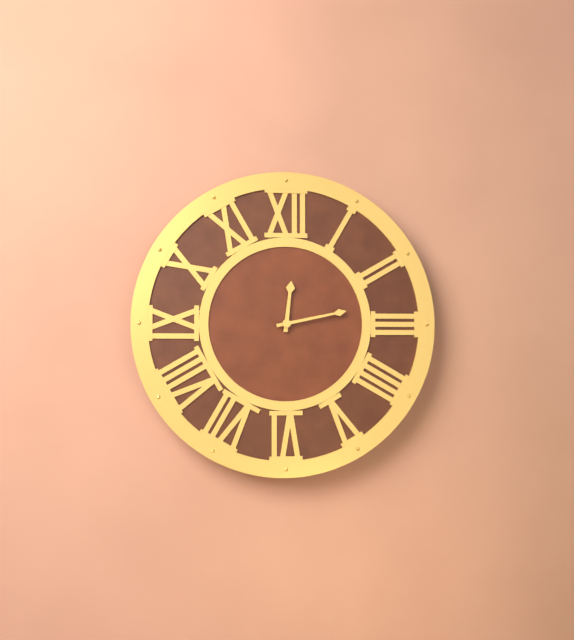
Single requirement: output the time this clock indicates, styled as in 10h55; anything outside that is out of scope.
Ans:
12h13
